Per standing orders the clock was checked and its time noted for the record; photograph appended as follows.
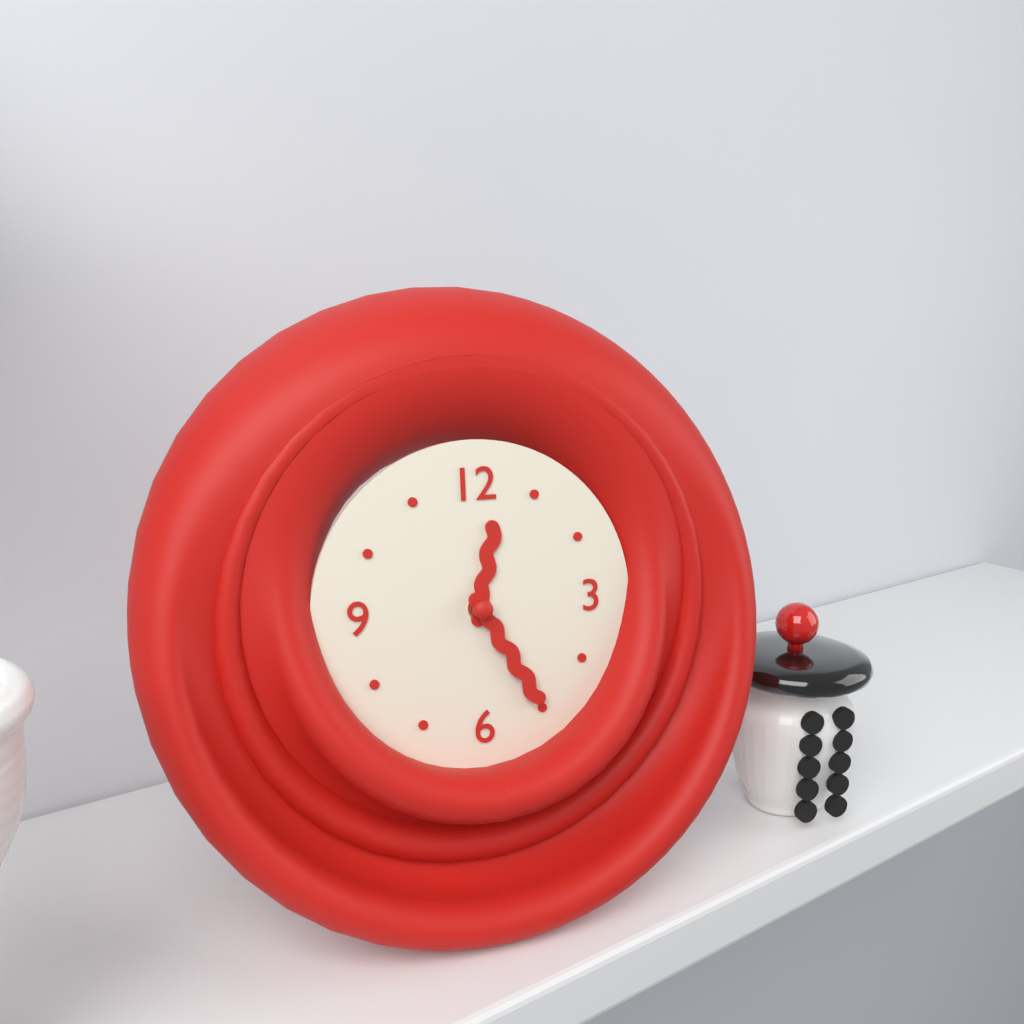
12:25
